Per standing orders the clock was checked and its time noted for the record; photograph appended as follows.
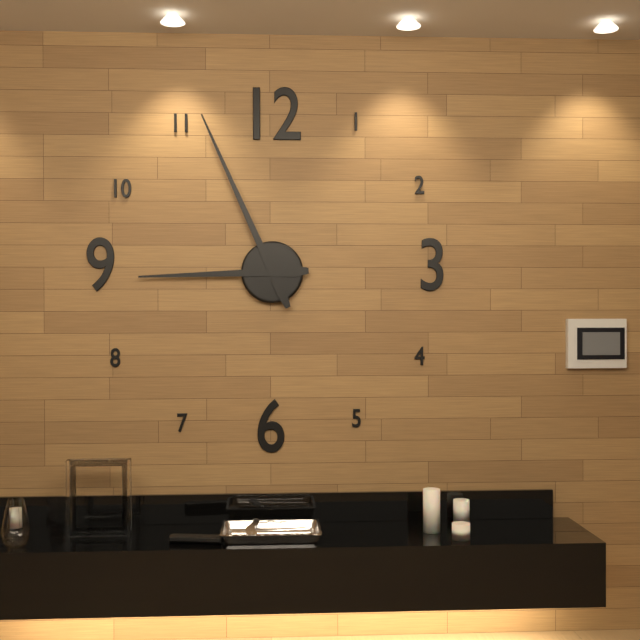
8:56
